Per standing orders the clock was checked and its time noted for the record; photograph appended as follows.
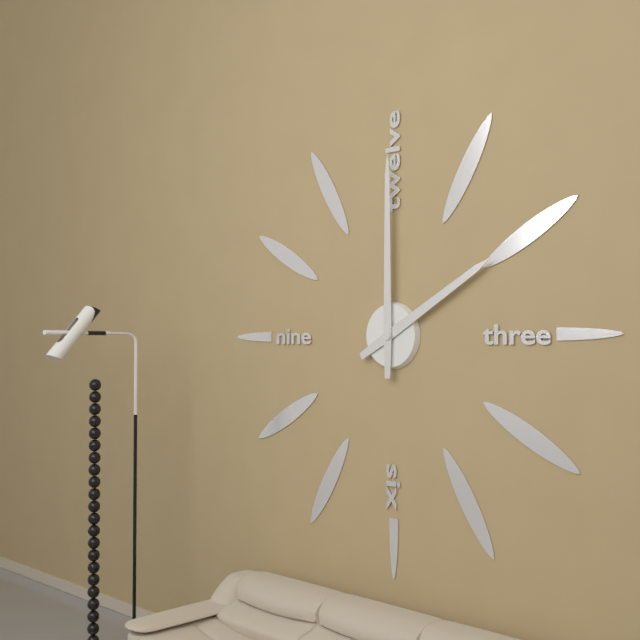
2:00
